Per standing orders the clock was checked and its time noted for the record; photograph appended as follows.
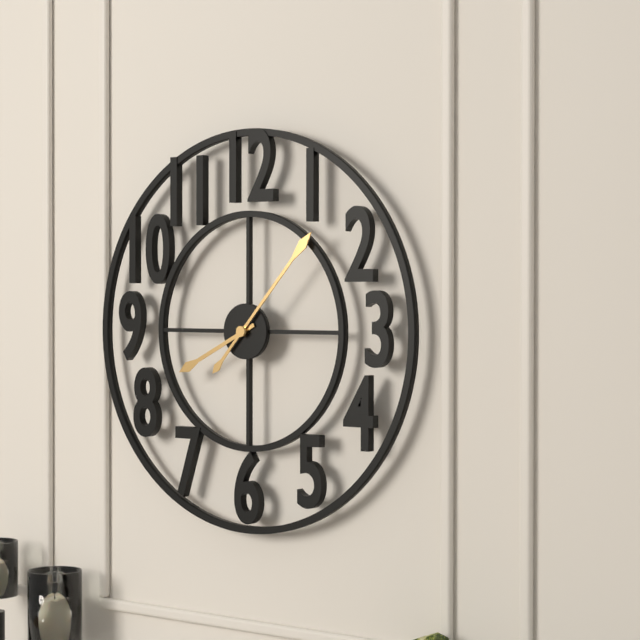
8:07
